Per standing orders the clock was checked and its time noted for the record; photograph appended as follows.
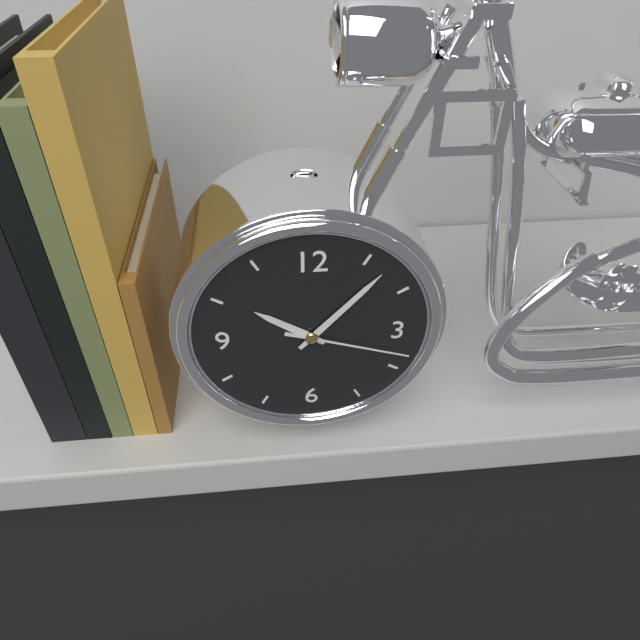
10:07:18
